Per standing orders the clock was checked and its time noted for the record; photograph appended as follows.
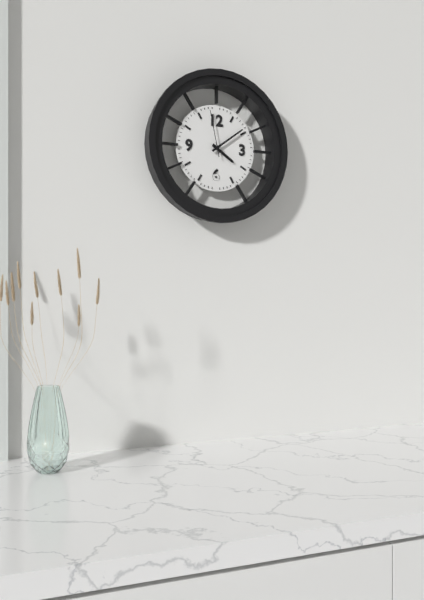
4:09
